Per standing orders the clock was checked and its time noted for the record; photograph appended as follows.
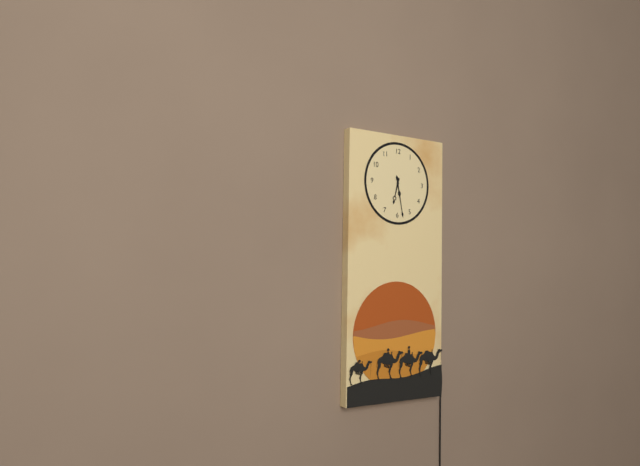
6:28
